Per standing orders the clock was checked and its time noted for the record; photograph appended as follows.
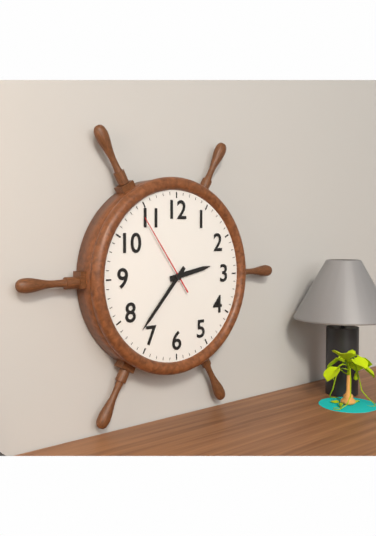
2:37:54
